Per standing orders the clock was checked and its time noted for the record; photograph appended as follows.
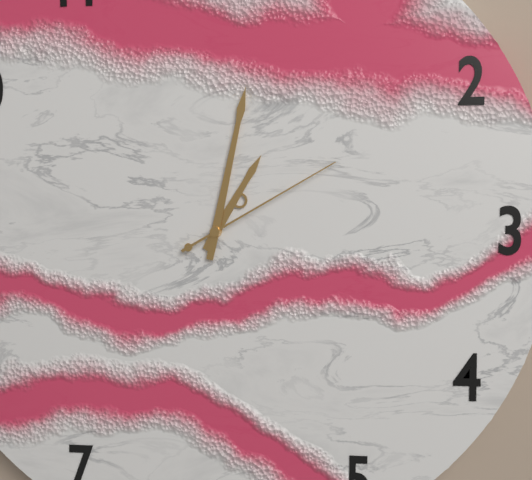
1:02:10
